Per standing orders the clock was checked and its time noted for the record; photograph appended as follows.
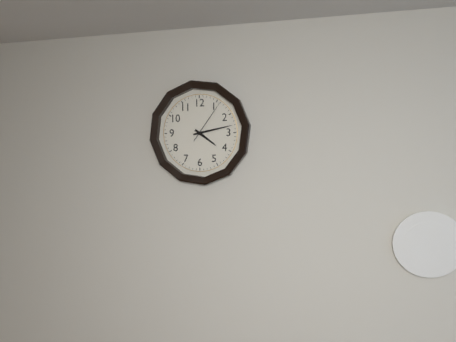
4:13
